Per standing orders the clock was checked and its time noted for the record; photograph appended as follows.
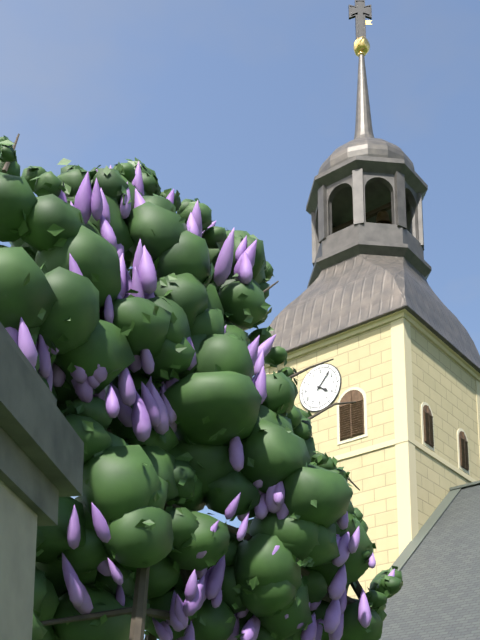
4:07
